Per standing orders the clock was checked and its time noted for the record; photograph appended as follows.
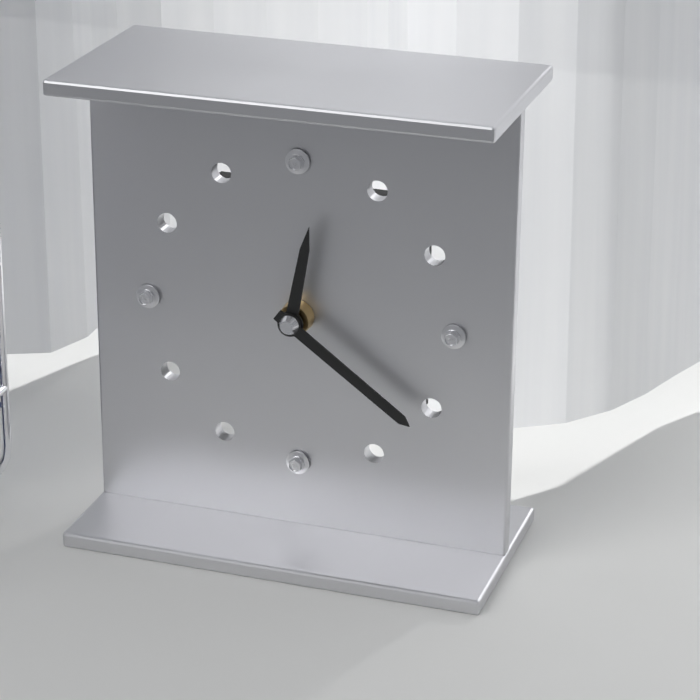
12:21
